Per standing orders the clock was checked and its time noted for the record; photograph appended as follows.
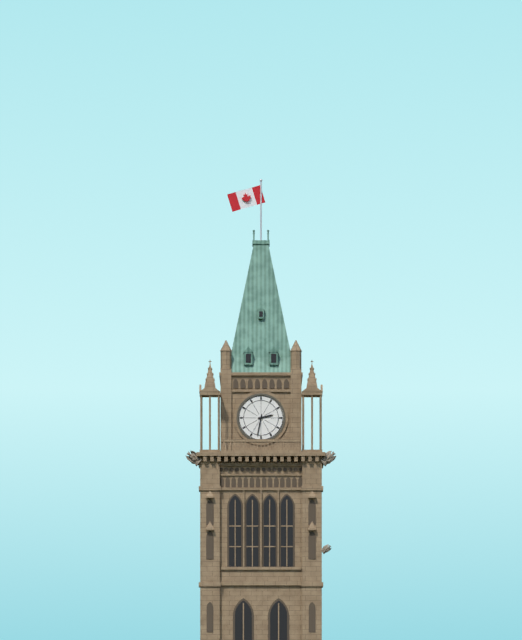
2:32
